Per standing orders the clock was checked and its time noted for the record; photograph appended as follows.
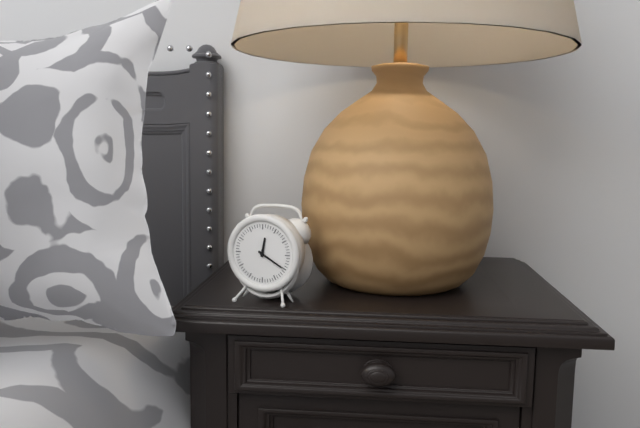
12:20
